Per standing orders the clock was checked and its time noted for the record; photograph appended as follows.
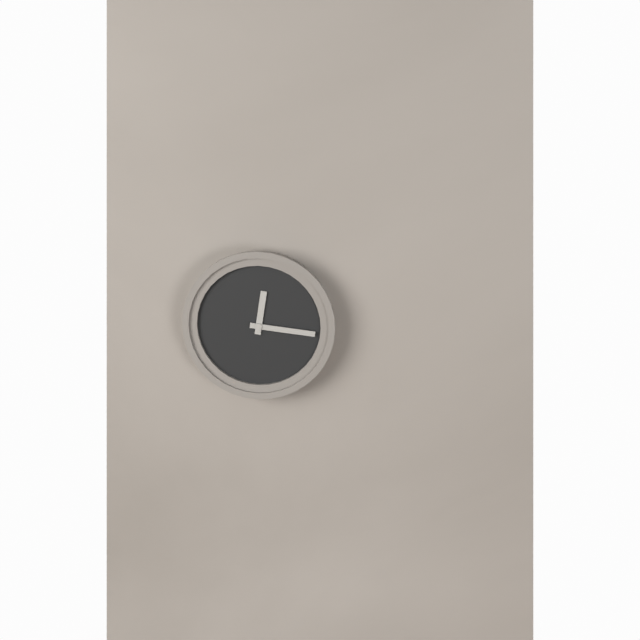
12:16
